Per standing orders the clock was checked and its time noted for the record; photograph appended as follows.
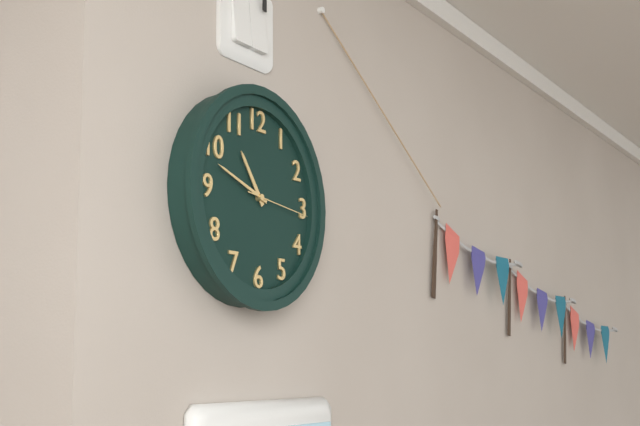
10:48:16
